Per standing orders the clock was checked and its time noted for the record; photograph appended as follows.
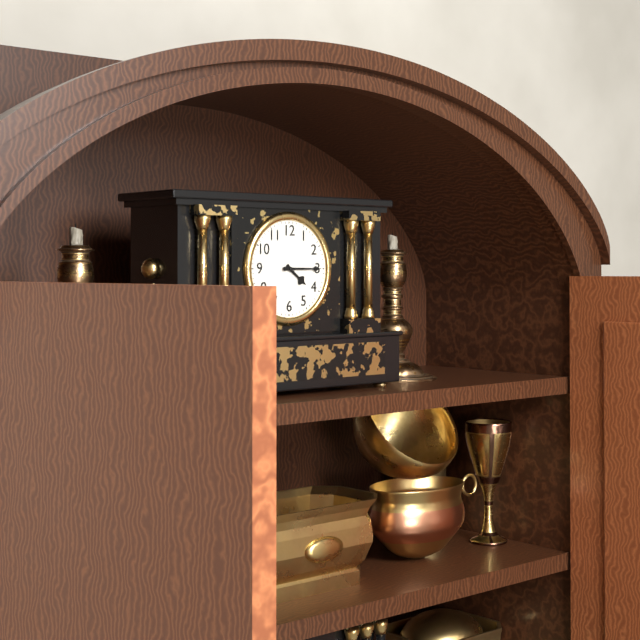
4:15
